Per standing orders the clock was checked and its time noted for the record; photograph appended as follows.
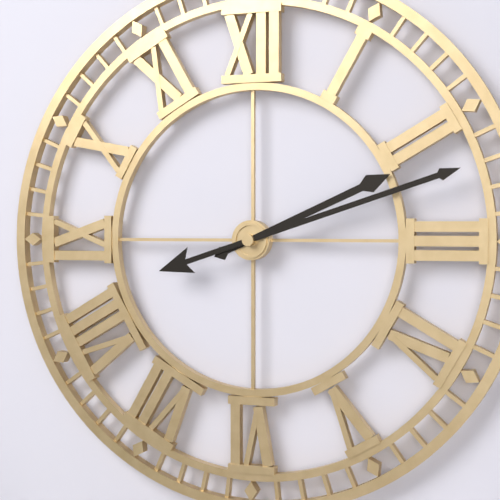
2:12
